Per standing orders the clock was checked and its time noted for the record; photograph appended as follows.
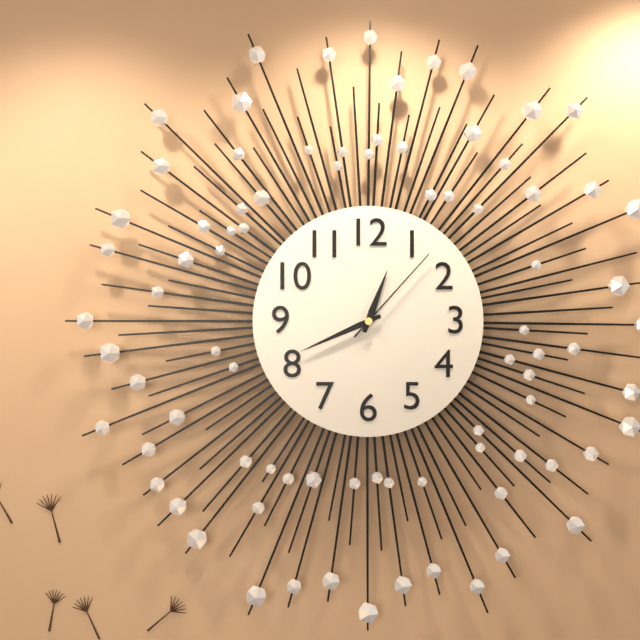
12:41:07
